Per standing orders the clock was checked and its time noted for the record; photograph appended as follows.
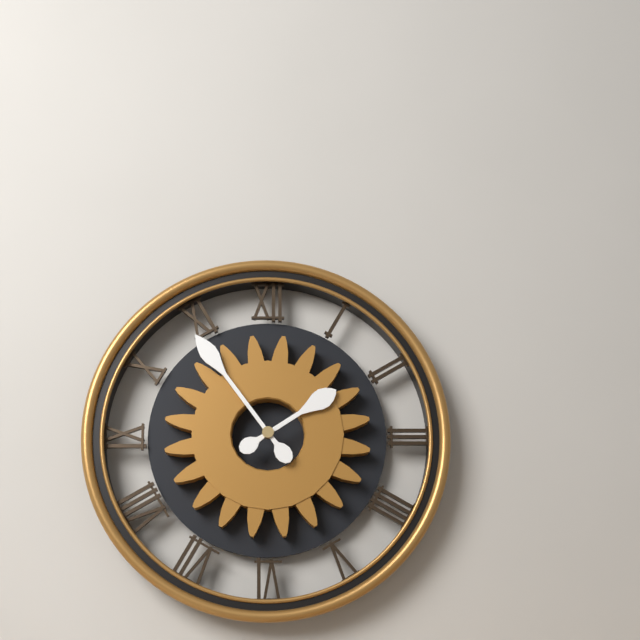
1:54
